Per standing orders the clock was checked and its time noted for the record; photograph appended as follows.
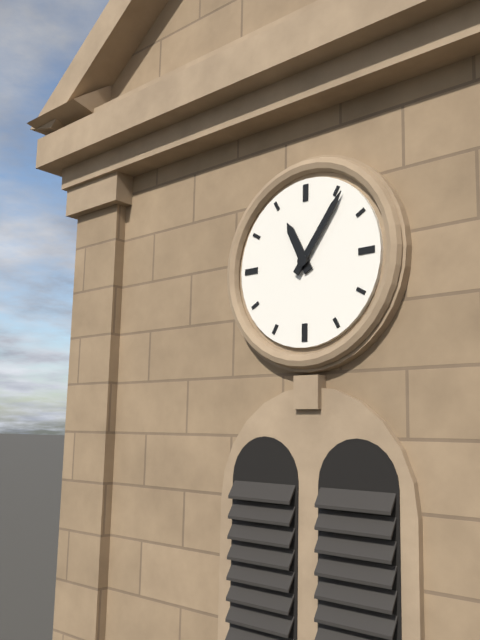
11:06
